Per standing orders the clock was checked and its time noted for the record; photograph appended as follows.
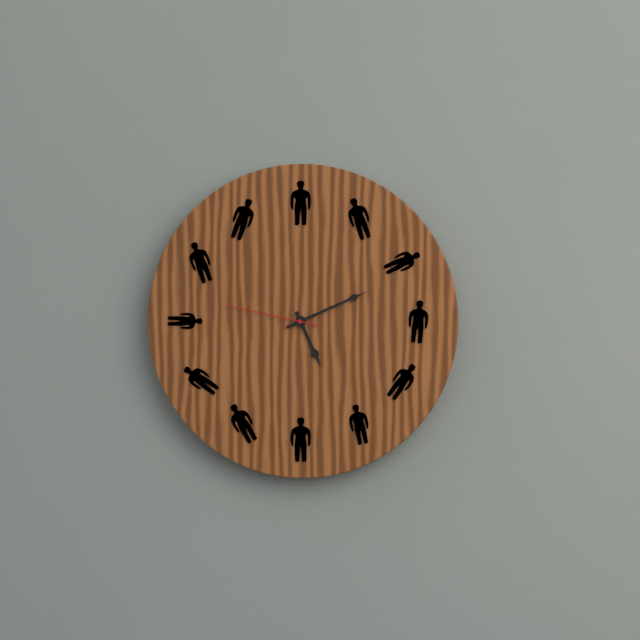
5:11:47
